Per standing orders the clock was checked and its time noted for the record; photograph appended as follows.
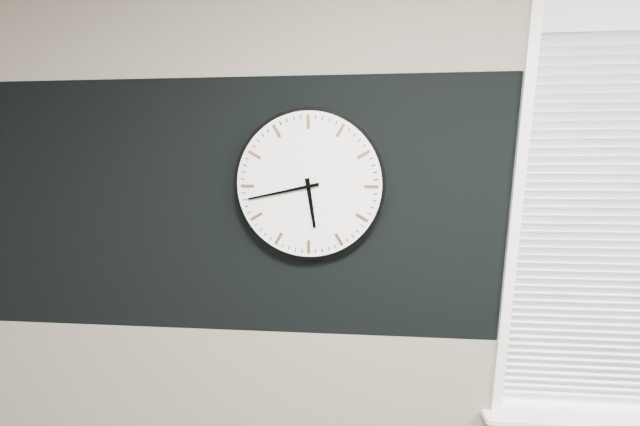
5:43
